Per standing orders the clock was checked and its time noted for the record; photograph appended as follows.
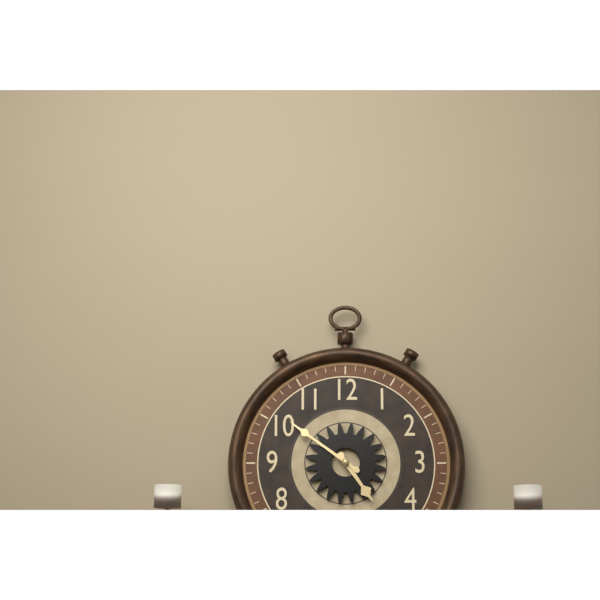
4:51
